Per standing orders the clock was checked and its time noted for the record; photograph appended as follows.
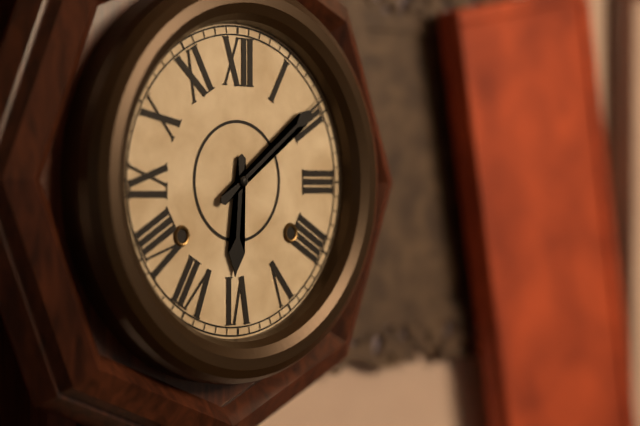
6:09
